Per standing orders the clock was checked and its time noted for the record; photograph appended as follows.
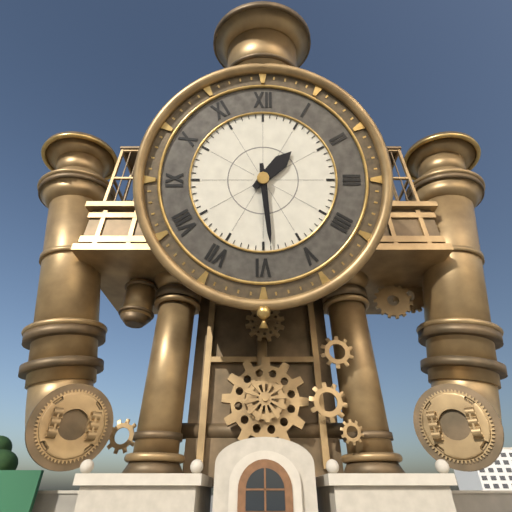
1:29
